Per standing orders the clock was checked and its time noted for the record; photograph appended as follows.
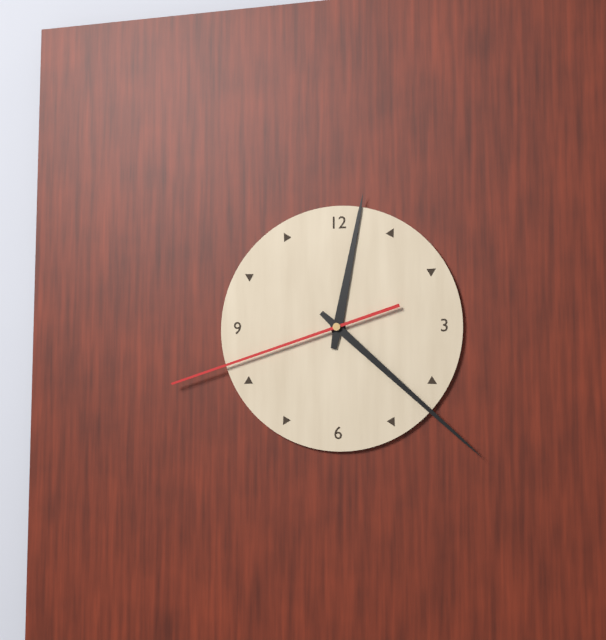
12:22:42
